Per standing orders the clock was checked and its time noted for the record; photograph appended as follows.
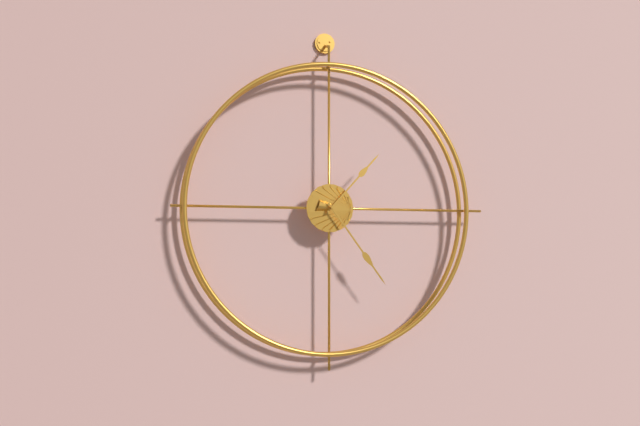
1:24
